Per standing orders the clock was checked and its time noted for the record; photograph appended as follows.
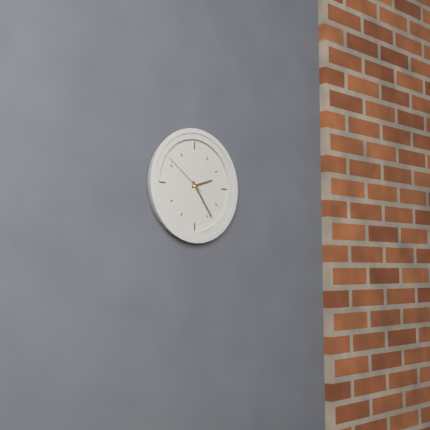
2:24
